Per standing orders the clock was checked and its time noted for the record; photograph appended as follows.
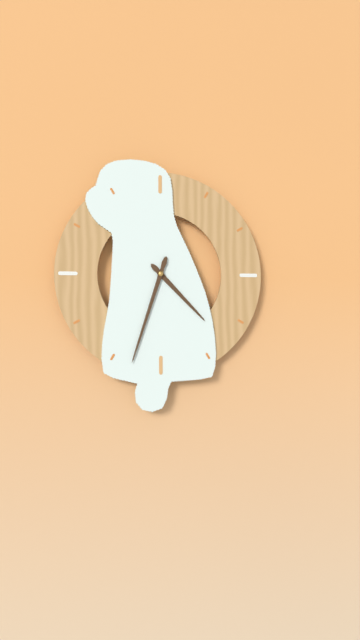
4:33
